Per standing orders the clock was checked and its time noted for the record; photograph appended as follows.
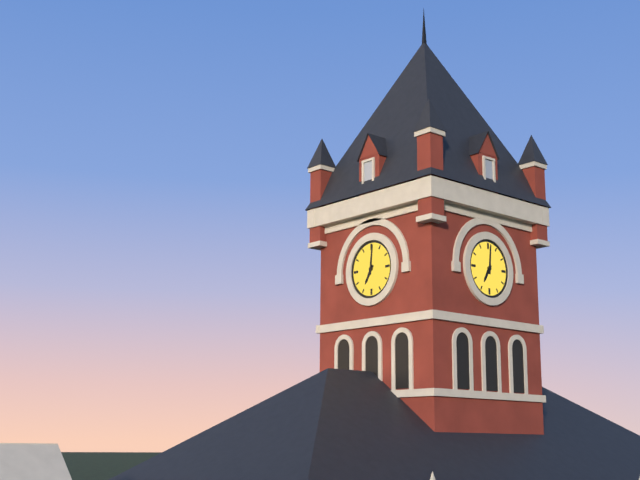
7:01
